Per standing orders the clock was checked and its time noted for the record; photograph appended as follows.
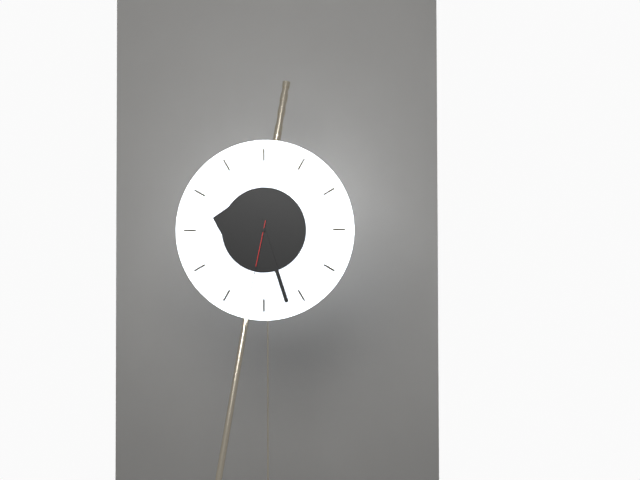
9:27:32
